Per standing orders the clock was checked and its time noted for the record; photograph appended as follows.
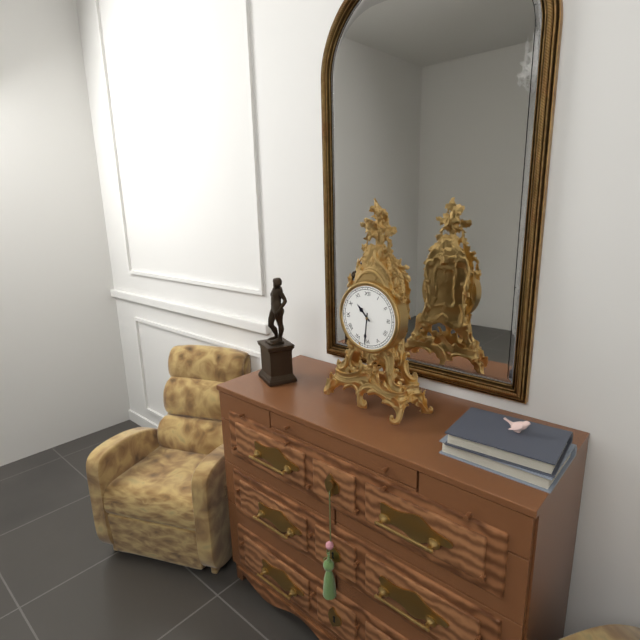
10:31
